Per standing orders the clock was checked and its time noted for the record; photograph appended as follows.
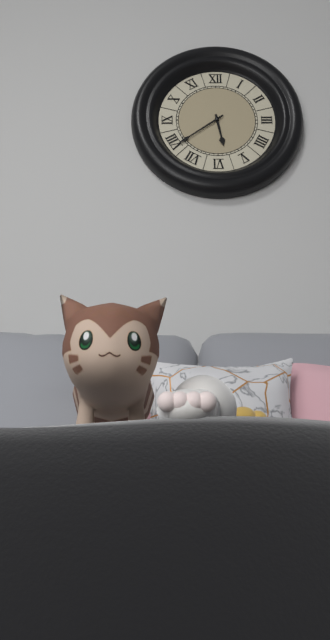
5:39
